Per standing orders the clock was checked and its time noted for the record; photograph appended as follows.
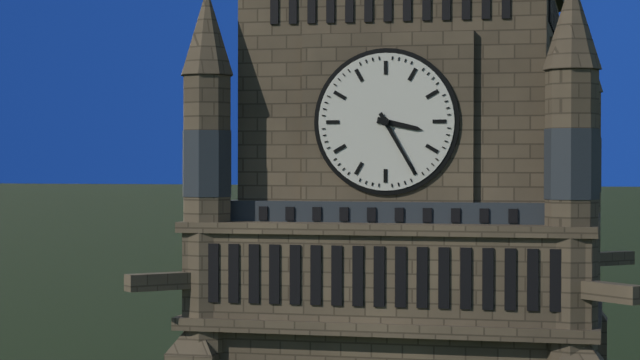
3:25
